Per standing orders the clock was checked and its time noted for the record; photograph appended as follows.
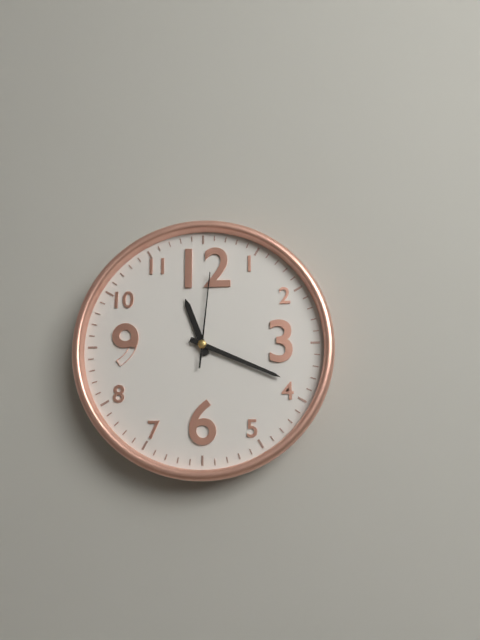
11:19:01
